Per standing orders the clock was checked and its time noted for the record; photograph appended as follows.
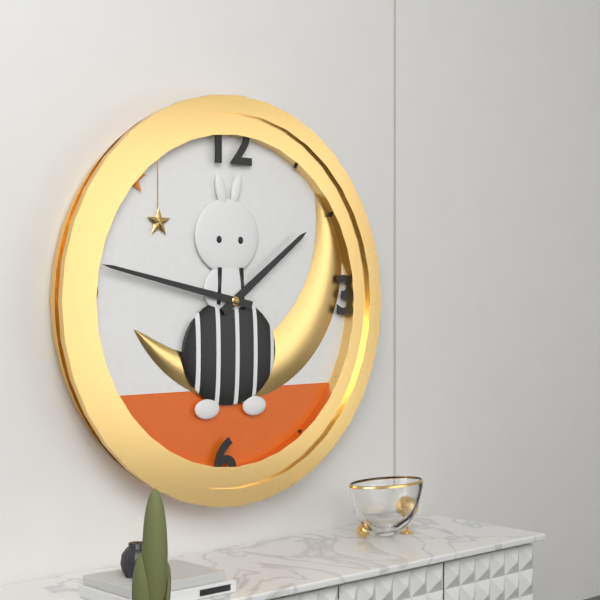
1:47
